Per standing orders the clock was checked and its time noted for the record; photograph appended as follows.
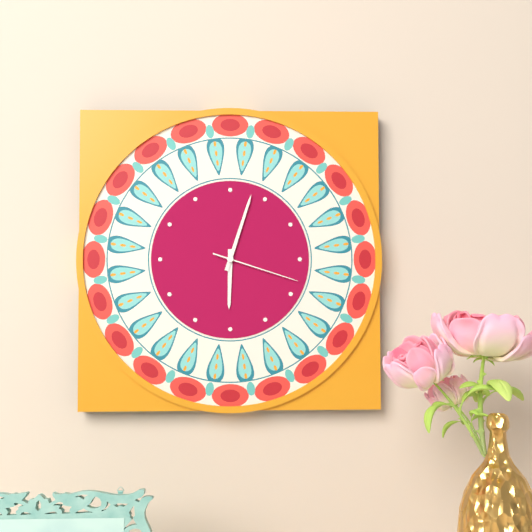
6:03:18
